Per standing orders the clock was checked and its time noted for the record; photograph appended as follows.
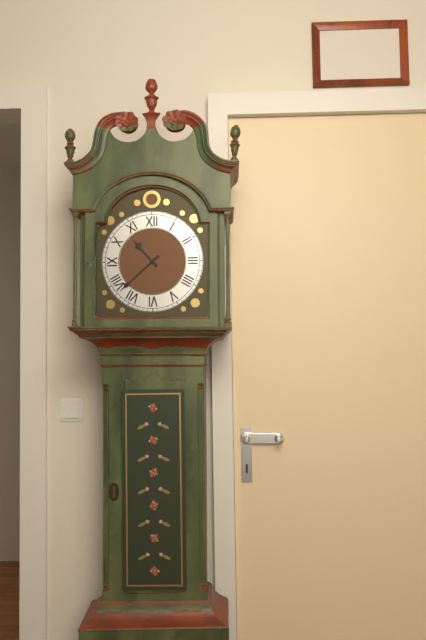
10:38
